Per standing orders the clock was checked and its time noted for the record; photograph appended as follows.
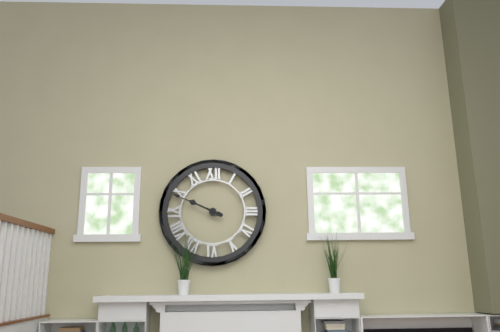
9:49
